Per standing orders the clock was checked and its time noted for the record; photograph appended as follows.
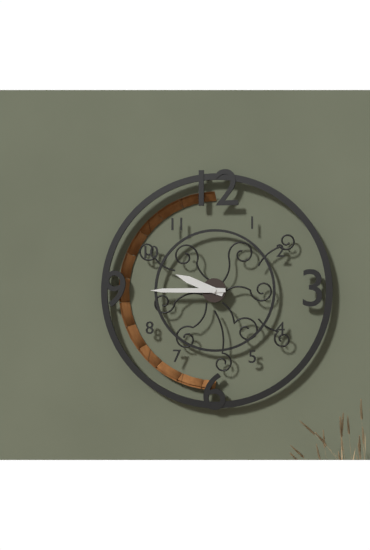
9:45
